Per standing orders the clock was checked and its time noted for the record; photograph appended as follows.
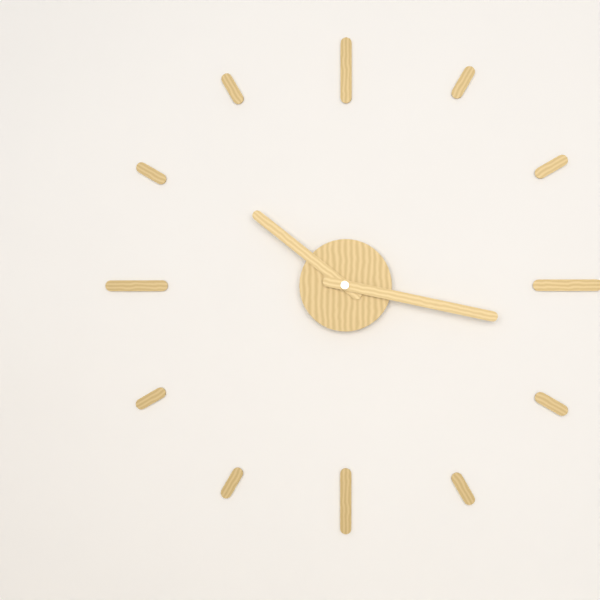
10:17
